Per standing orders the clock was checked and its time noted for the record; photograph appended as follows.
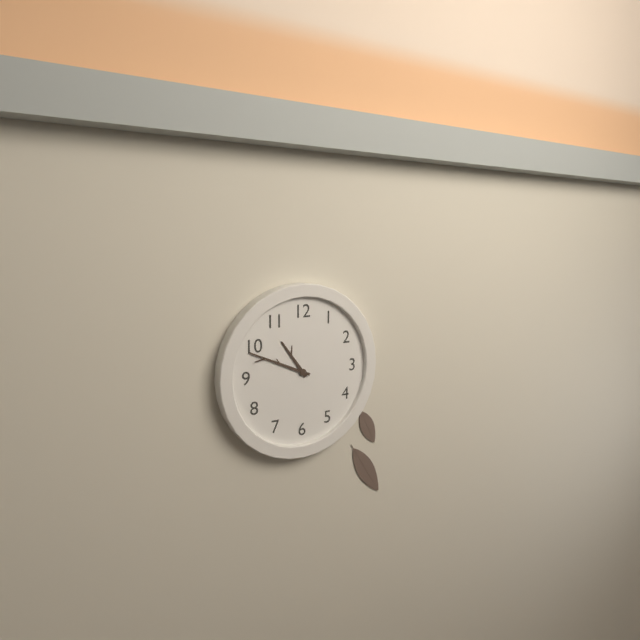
10:49
